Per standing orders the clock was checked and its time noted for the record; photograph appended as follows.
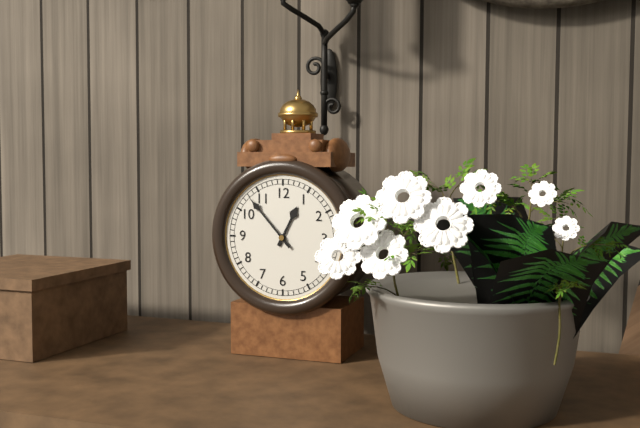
12:53
